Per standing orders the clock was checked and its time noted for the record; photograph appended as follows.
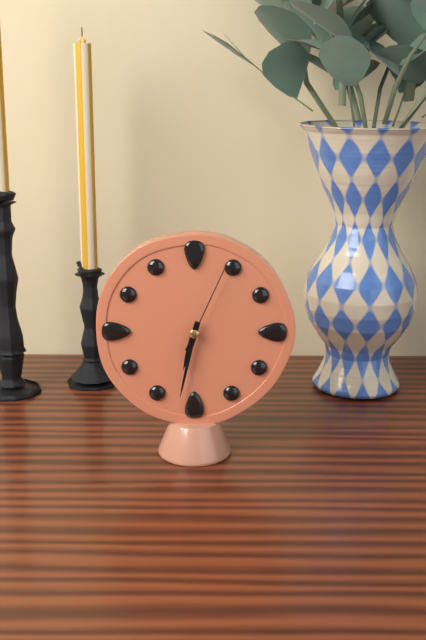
6:32:04
